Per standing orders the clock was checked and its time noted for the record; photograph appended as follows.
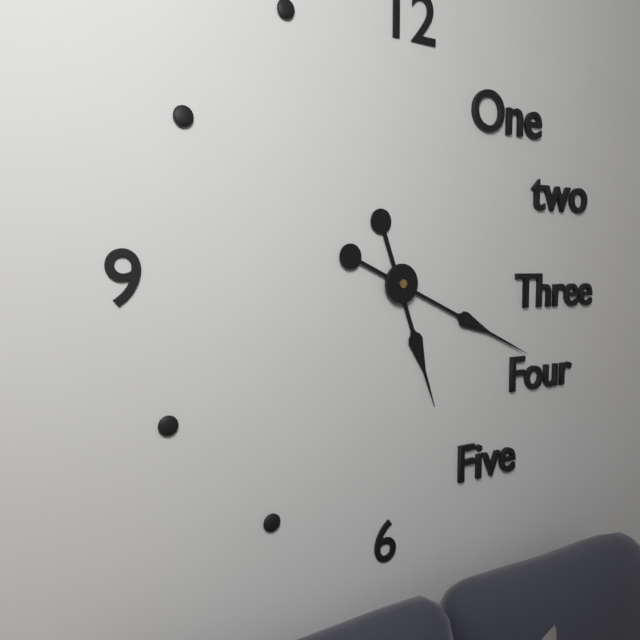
5:19
